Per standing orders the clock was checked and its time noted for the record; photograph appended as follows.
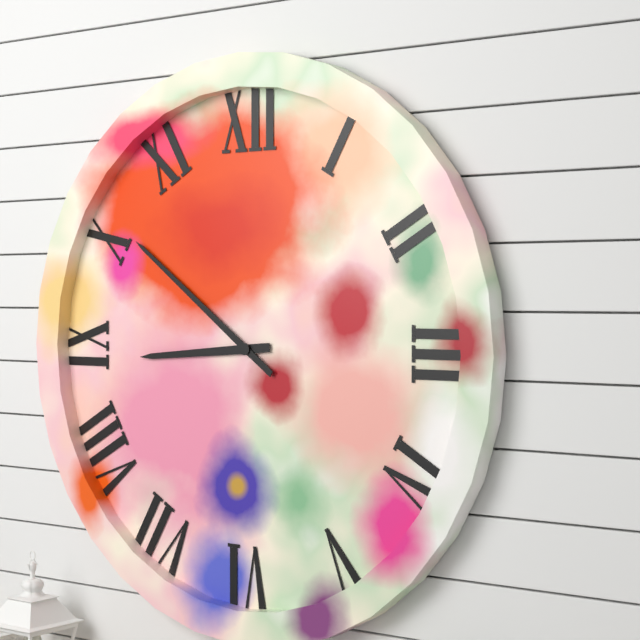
8:51
